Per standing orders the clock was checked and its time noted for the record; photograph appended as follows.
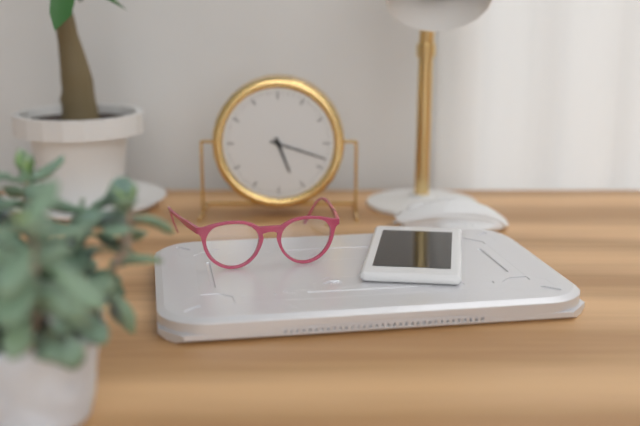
5:18
